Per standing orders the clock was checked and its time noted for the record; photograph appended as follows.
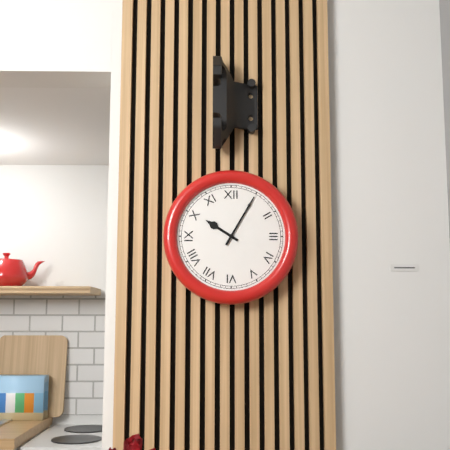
10:05
